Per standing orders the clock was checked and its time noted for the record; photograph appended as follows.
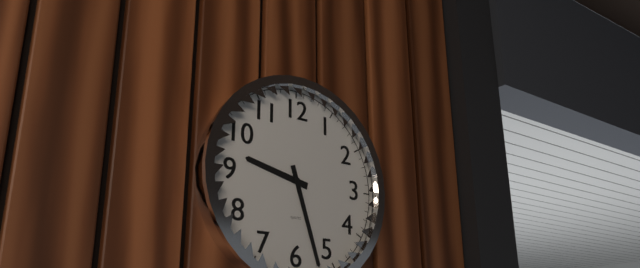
9:27
